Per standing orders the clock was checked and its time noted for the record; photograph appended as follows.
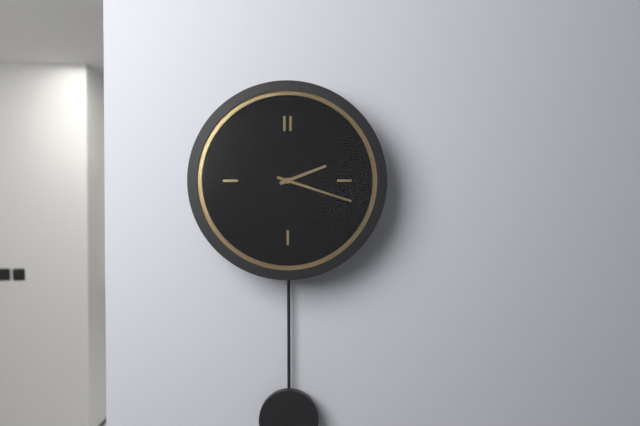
2:18
